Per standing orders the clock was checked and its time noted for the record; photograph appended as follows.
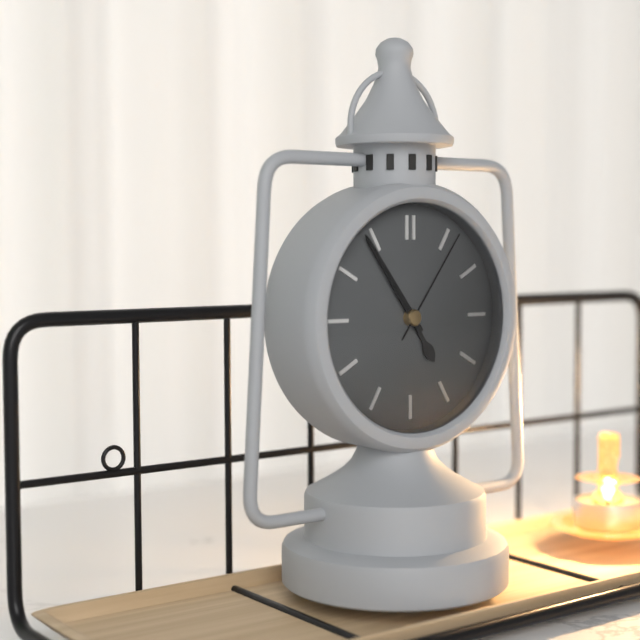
4:54:06
